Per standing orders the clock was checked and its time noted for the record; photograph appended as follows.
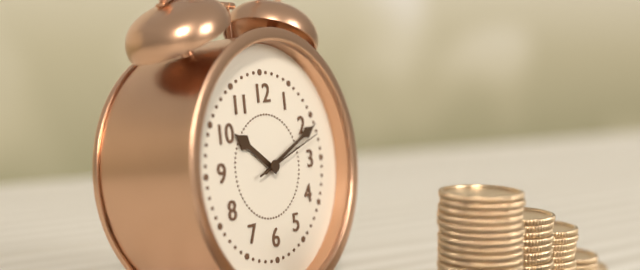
10:11:12
